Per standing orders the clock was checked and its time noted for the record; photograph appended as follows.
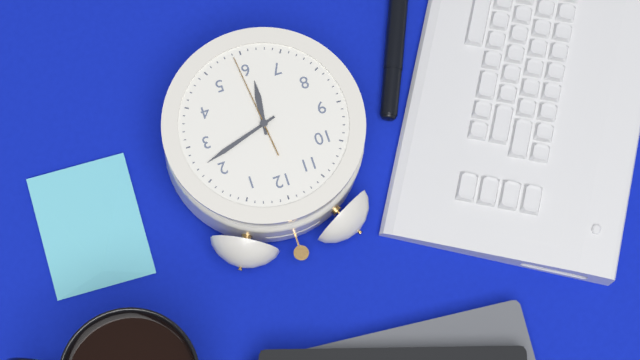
6:12:29
